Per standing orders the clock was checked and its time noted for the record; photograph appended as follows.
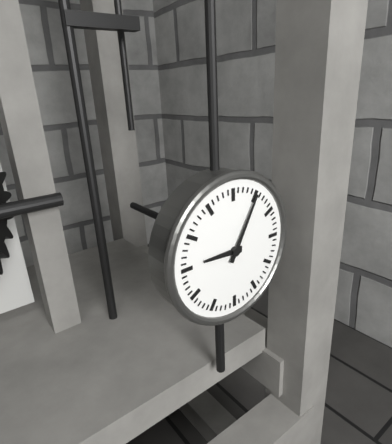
9:05
